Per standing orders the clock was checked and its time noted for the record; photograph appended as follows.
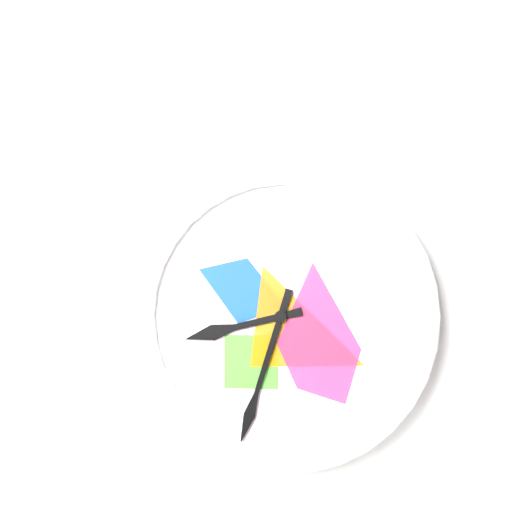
8:33
